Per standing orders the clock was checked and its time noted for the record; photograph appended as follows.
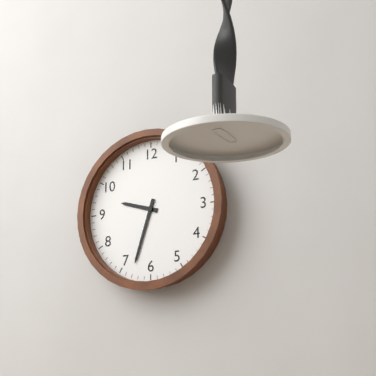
9:33
